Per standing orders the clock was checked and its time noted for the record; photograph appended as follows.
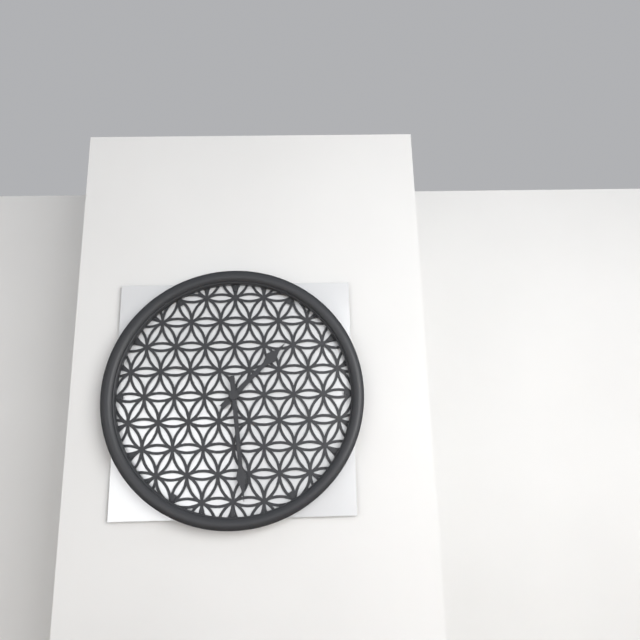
1:29
